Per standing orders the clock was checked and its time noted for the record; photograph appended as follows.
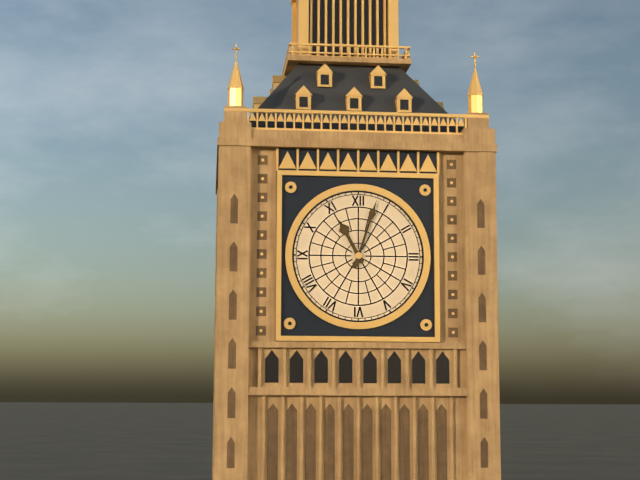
11:03
